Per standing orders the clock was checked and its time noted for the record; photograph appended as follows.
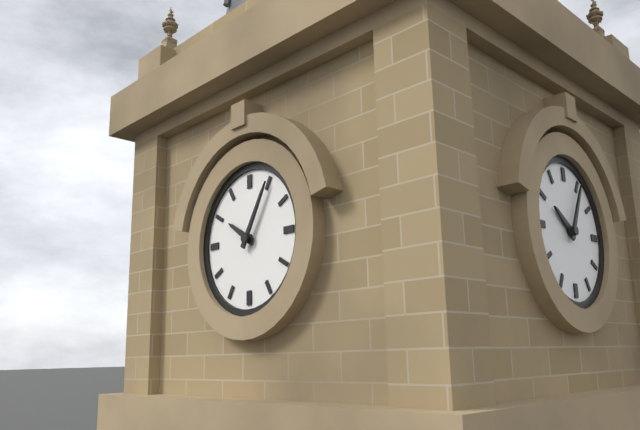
10:05
